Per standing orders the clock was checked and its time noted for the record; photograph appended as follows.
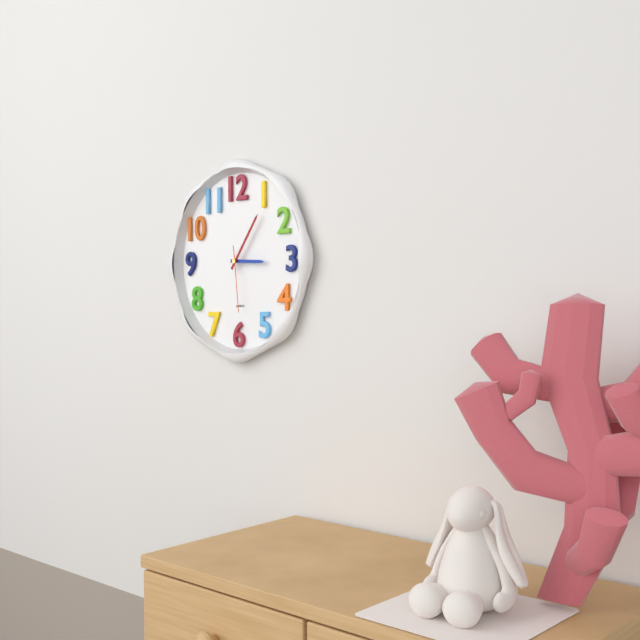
3:06:29
